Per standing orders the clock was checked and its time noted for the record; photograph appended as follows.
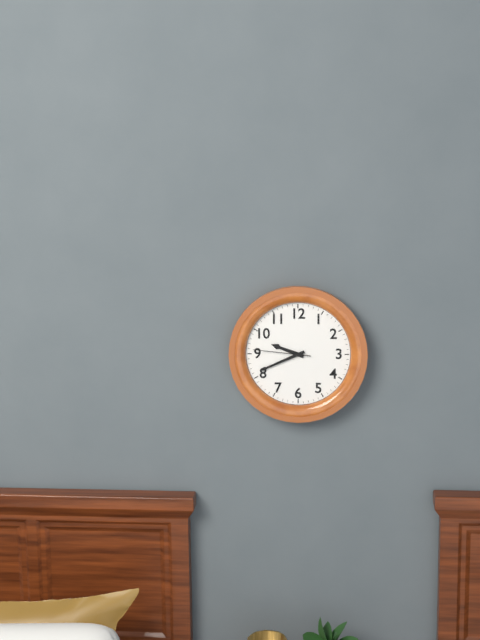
9:41:46
